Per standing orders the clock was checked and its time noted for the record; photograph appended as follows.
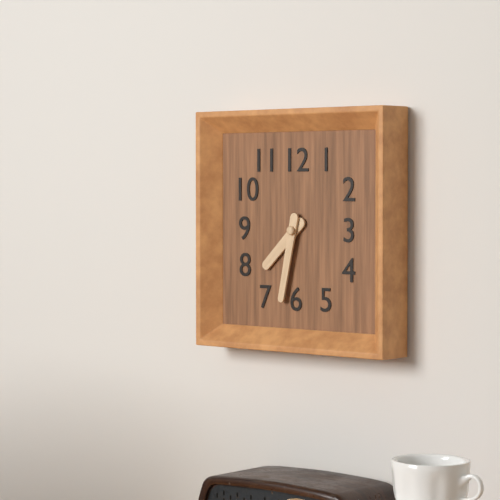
7:32
